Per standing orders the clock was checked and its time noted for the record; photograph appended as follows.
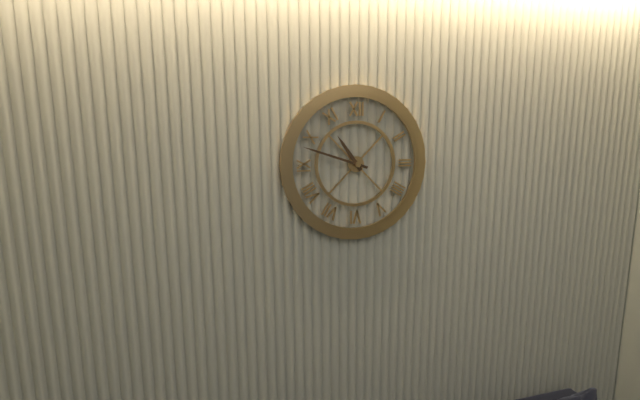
10:48
